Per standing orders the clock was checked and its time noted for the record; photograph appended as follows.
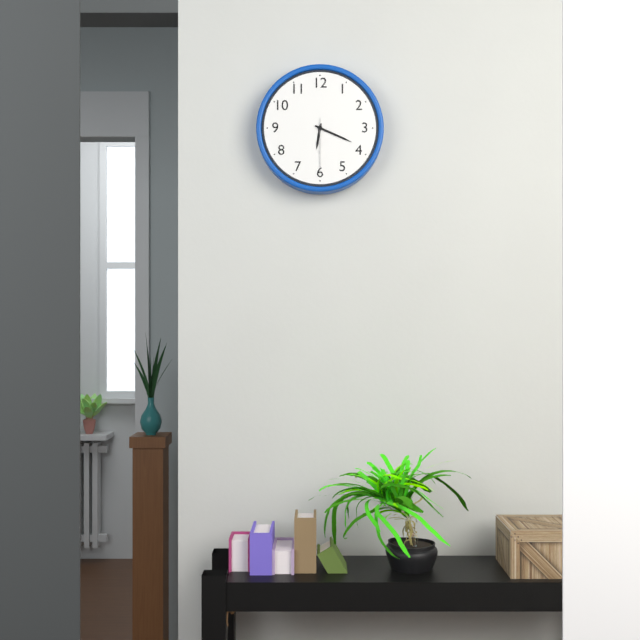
6:19:30
